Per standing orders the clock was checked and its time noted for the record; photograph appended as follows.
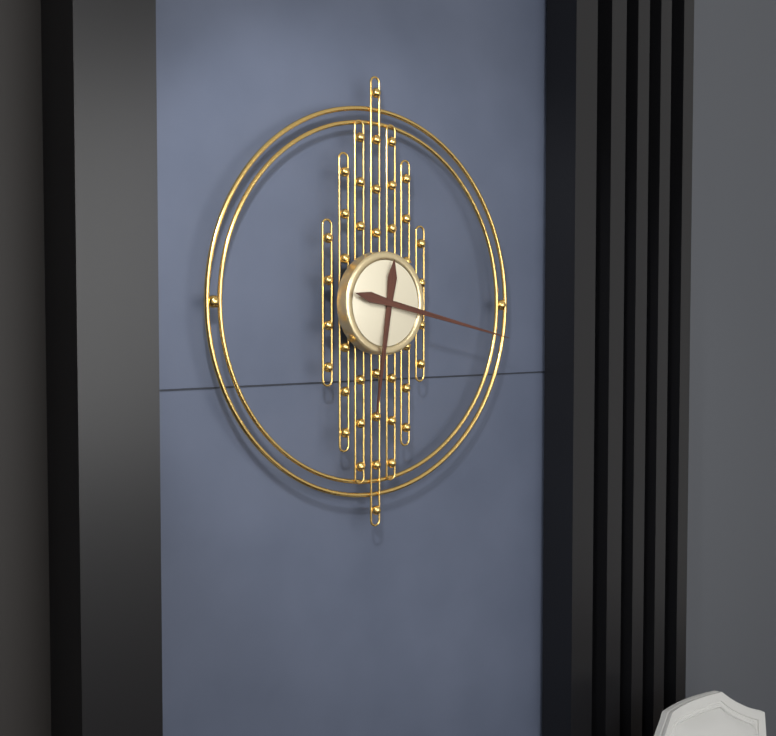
6:17
